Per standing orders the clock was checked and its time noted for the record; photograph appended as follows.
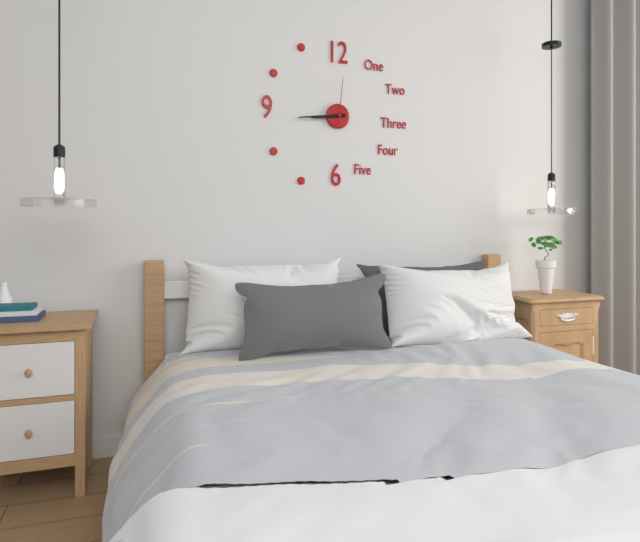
8:44
